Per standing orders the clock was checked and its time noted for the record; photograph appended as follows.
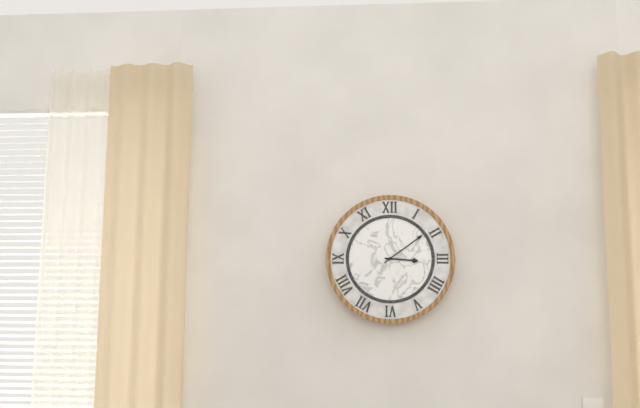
3:09
